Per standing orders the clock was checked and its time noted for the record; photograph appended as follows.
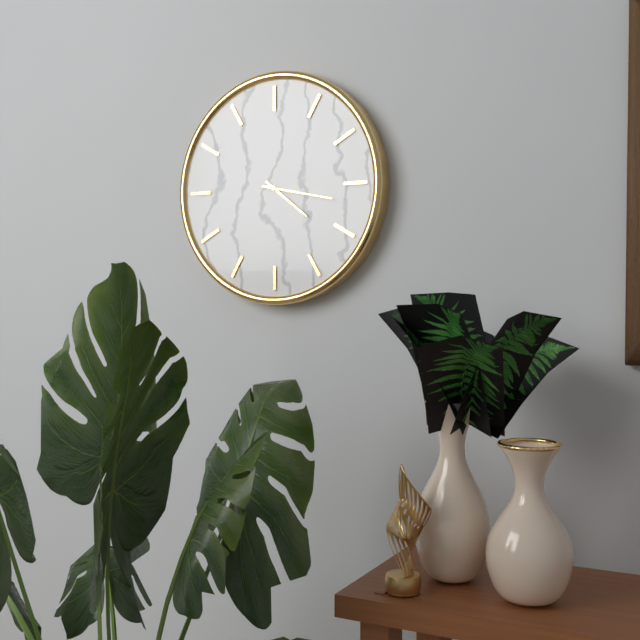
4:17
